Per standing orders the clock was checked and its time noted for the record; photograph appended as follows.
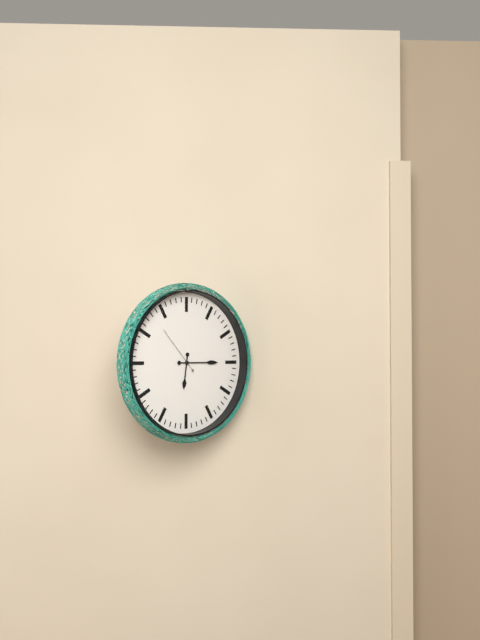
6:15
